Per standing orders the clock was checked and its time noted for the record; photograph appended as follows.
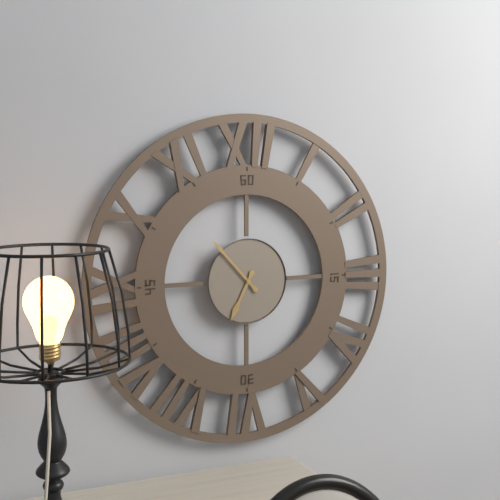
6:53
